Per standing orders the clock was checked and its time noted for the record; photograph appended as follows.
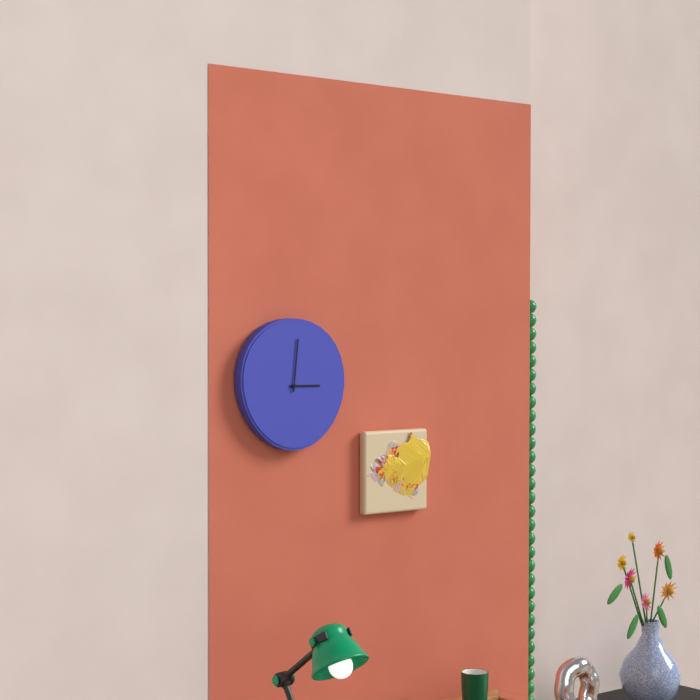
3:01
